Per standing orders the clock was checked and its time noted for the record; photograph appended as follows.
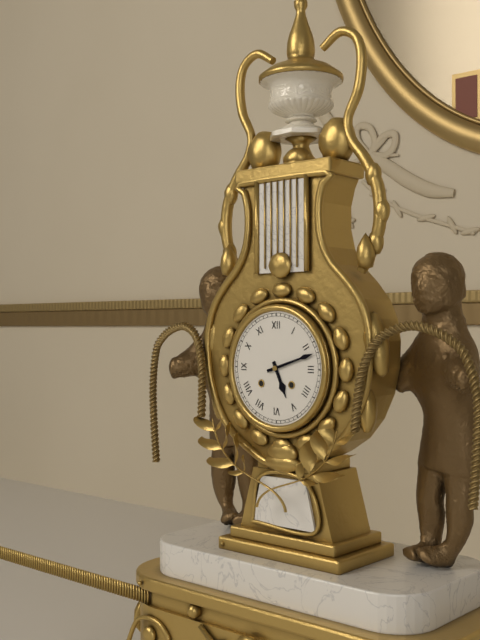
5:12
